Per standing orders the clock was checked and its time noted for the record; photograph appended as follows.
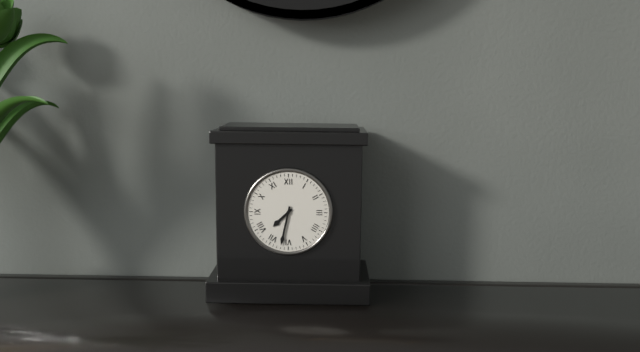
7:32
